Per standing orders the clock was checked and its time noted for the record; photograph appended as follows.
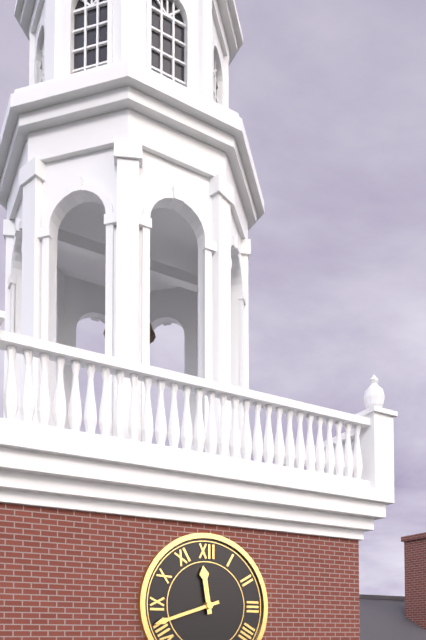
11:42
